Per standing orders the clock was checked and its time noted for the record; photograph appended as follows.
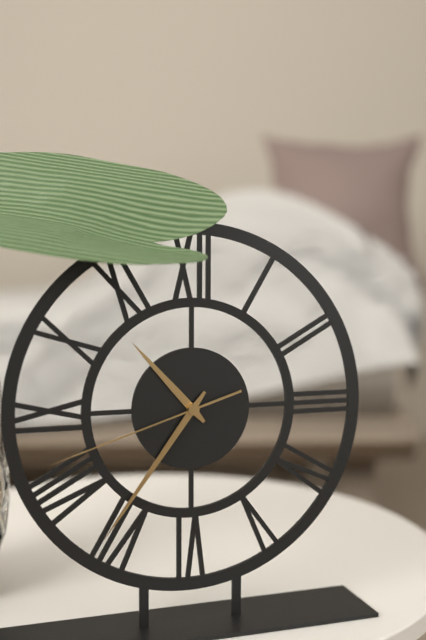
10:36:42
